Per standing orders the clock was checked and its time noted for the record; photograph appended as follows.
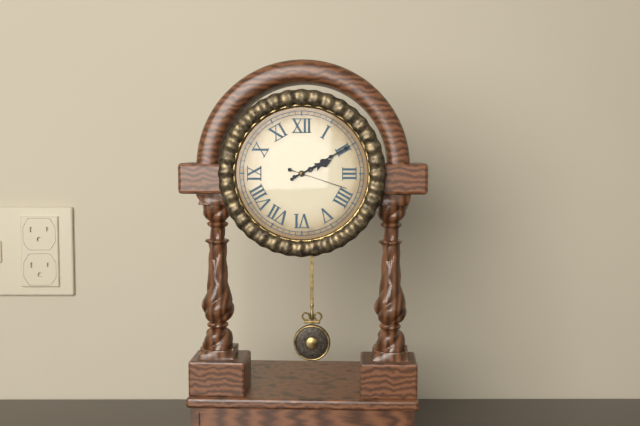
2:10:18
